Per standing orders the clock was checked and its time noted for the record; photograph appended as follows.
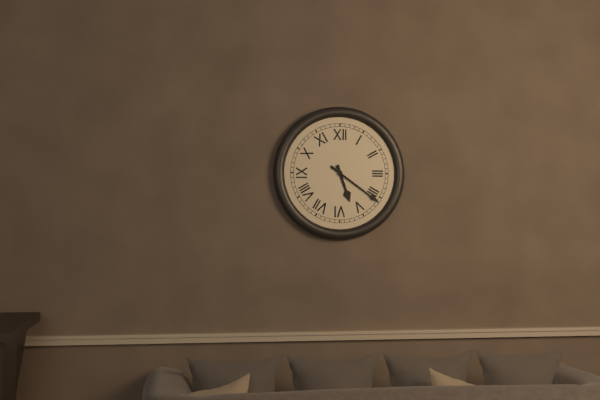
5:21
